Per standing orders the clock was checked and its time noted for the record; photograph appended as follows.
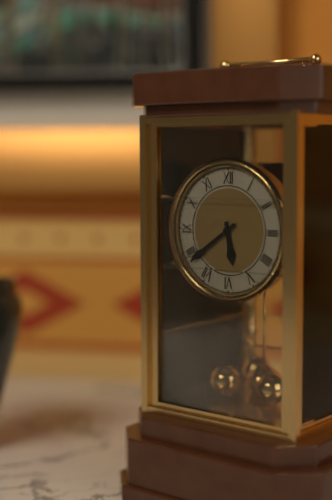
5:39
